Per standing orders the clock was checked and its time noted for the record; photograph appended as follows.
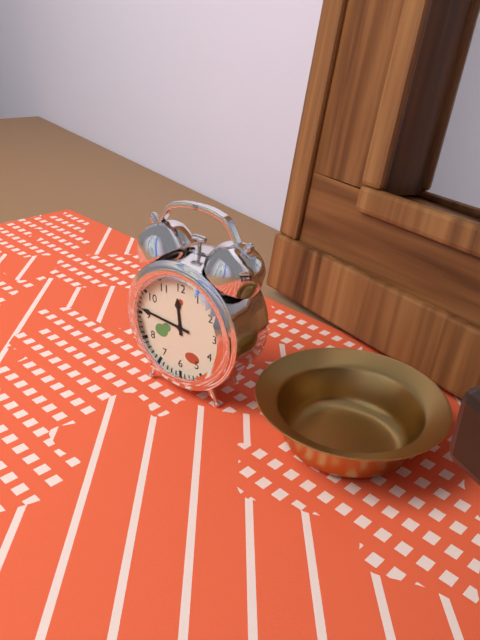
11:46
